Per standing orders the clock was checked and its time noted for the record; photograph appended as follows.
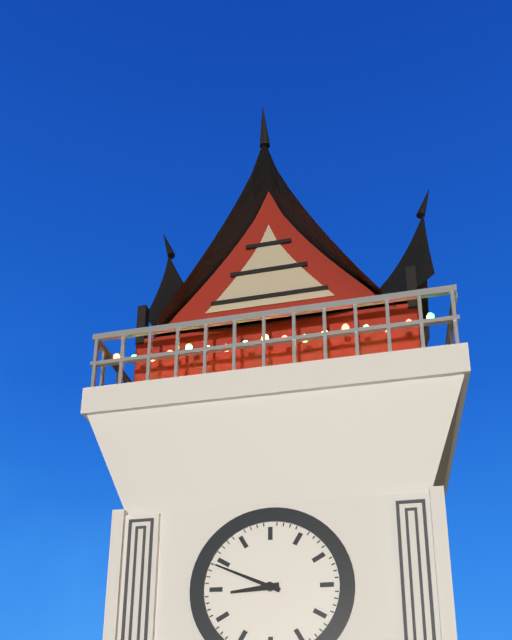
8:49
